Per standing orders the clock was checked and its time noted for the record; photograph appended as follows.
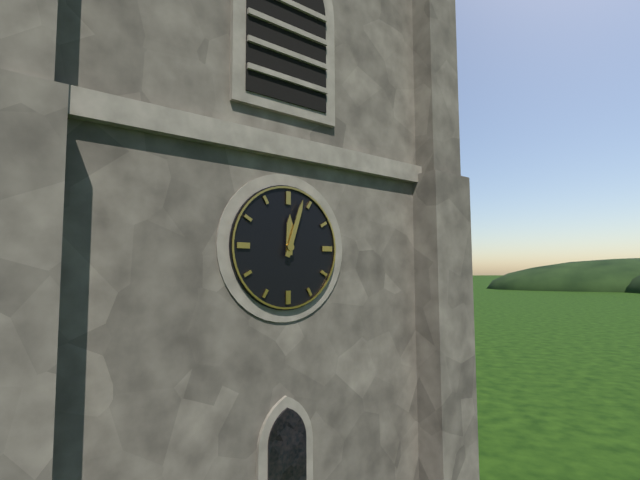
12:03
